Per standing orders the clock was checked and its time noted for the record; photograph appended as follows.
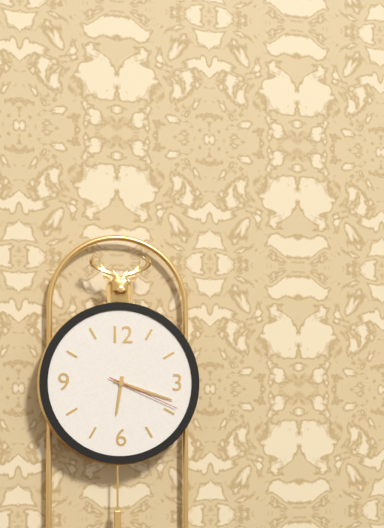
6:18:19
